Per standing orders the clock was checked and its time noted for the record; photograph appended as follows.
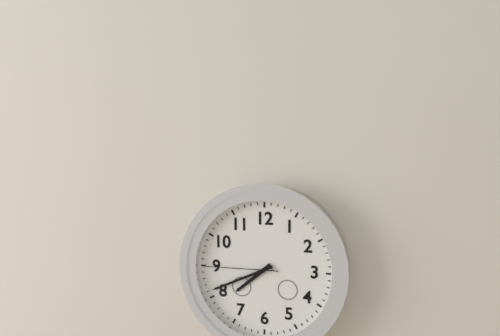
7:41:45
